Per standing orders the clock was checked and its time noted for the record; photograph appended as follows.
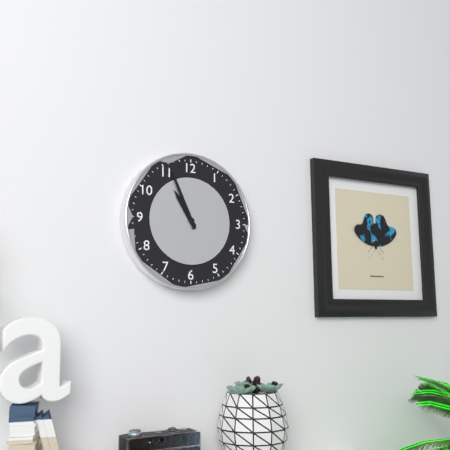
10:56
